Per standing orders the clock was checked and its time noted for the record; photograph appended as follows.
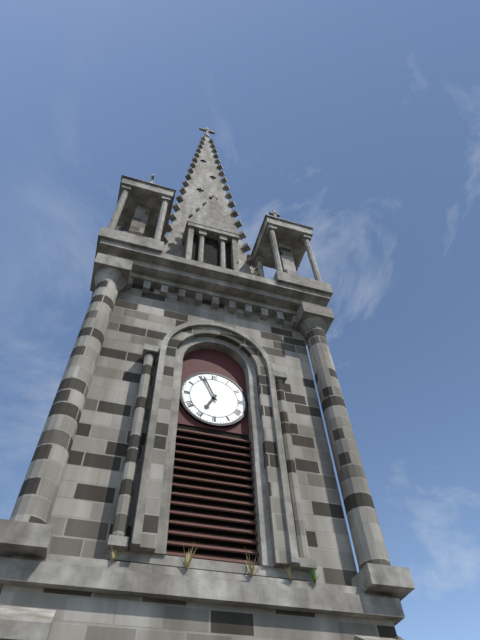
6:56
